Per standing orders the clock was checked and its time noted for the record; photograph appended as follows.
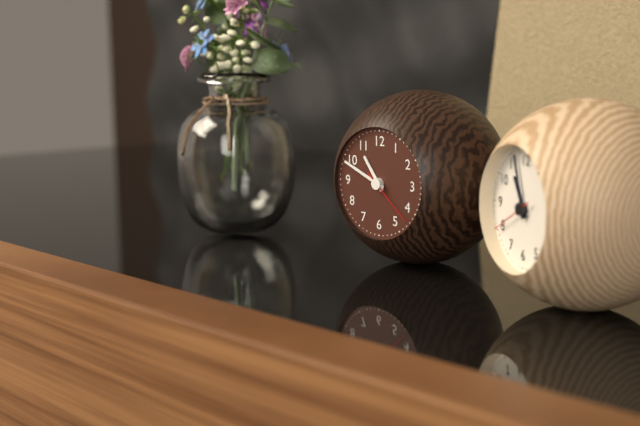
10:49:22
